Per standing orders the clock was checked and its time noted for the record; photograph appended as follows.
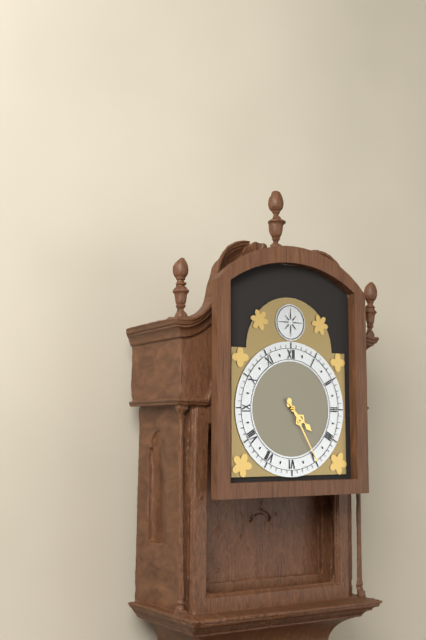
4:25
